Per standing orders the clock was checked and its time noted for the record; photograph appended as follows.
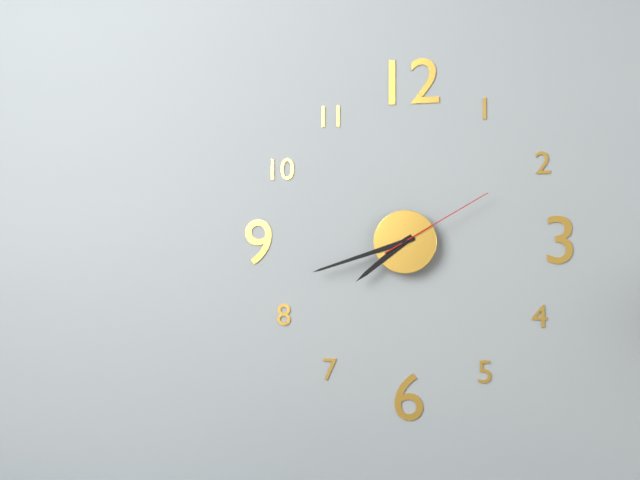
7:42:10
